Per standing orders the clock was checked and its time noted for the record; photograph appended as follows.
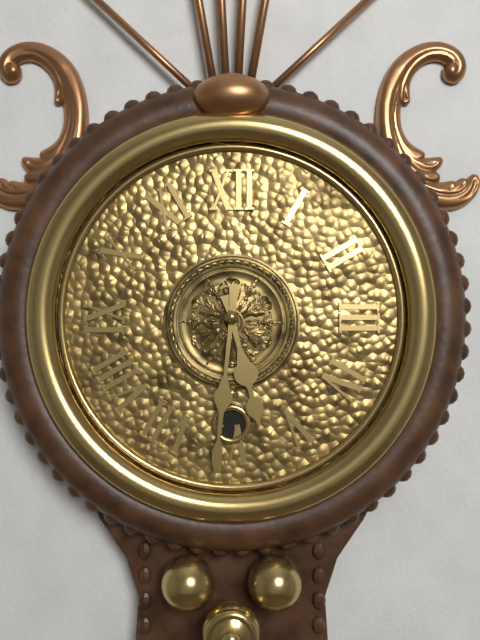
5:31
